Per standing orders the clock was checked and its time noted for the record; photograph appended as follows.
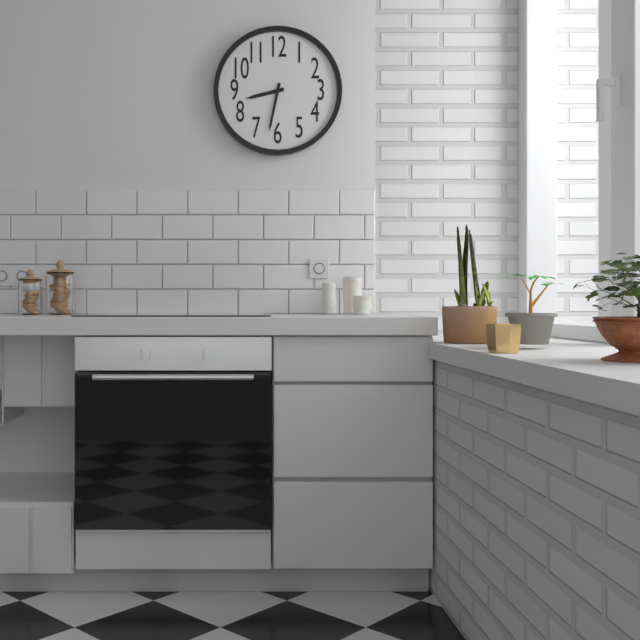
8:32
